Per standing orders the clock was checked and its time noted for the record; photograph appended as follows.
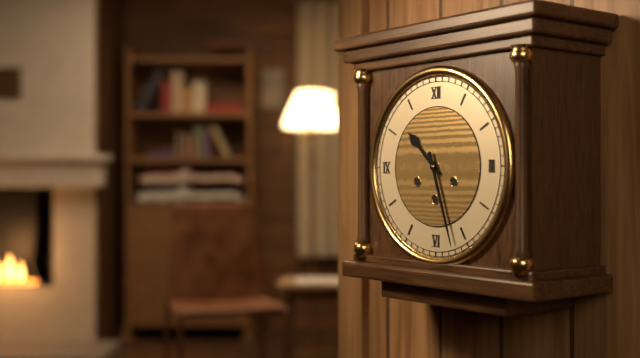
10:27
